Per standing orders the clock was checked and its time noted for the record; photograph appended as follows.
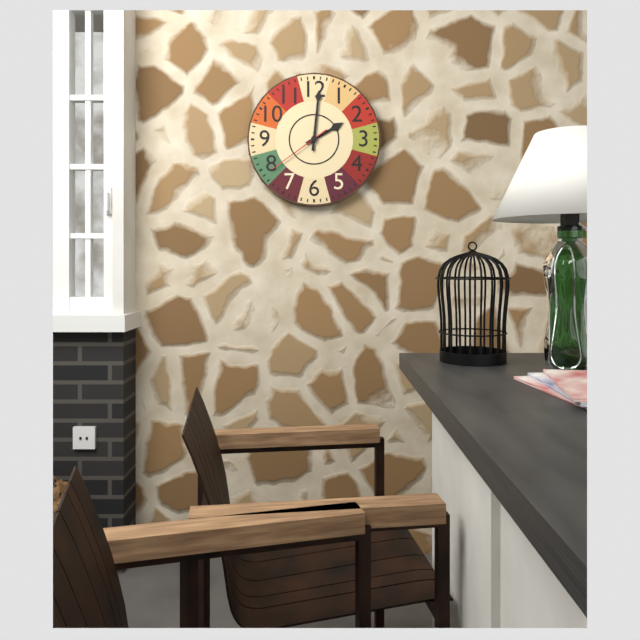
2:01:39
